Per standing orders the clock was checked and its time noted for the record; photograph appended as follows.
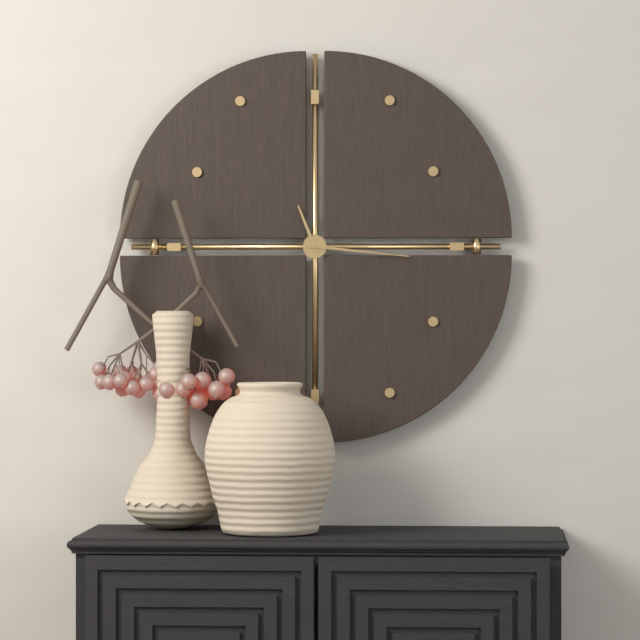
11:16
